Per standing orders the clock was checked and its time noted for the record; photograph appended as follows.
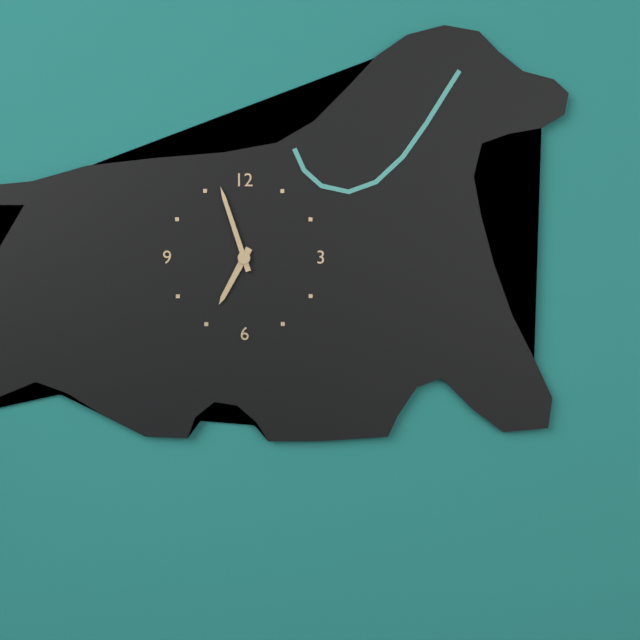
6:57
